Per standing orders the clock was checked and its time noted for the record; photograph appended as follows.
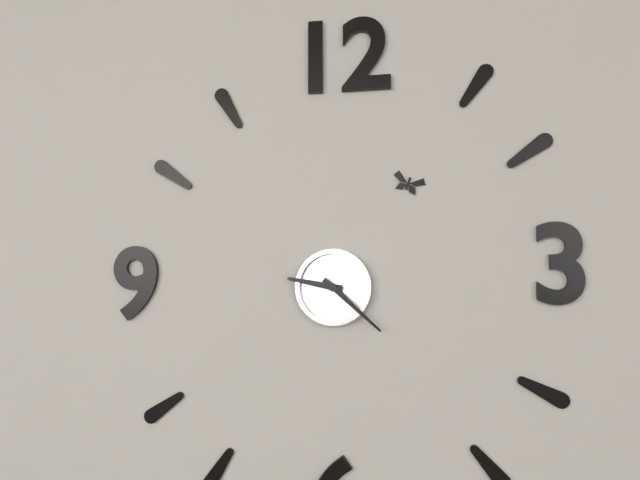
9:22
